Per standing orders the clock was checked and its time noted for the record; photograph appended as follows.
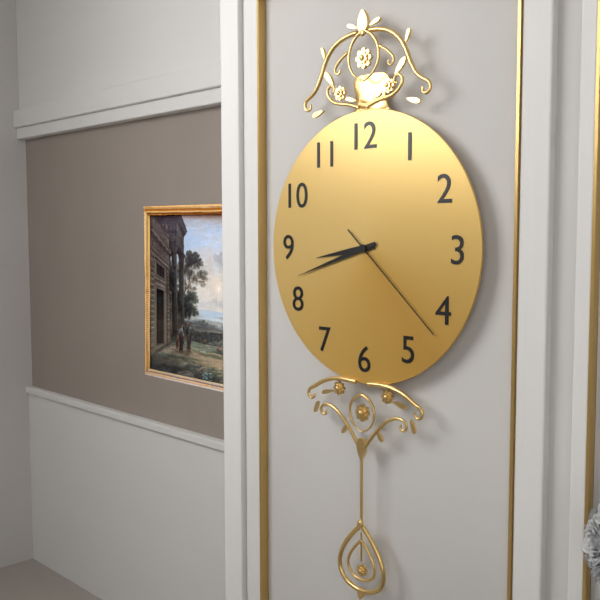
8:42:22
